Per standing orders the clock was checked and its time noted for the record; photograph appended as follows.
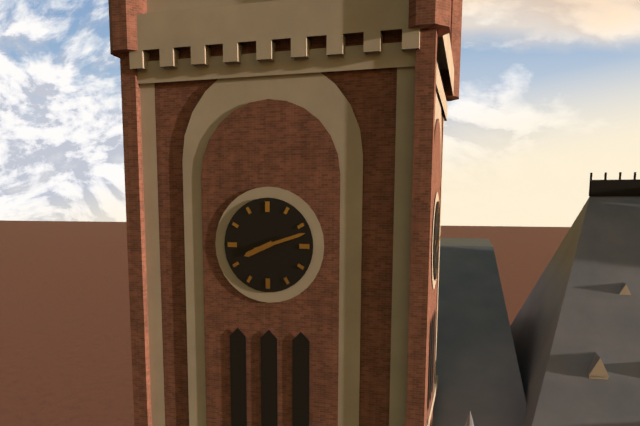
8:12
